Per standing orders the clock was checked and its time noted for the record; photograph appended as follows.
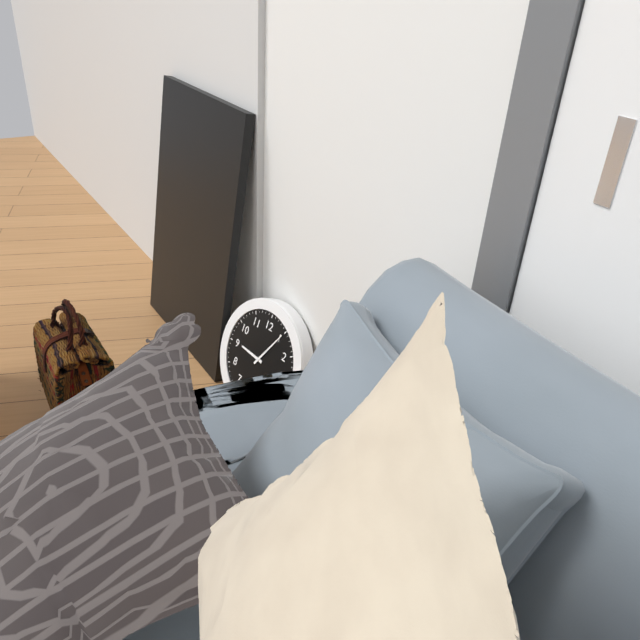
9:05
